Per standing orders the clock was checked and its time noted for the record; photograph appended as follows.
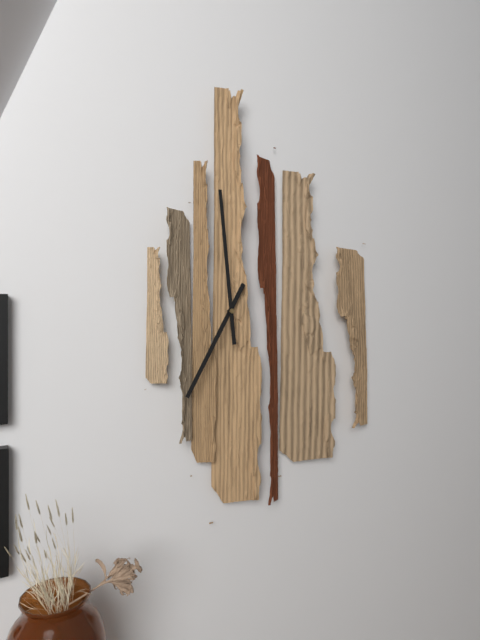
6:59
